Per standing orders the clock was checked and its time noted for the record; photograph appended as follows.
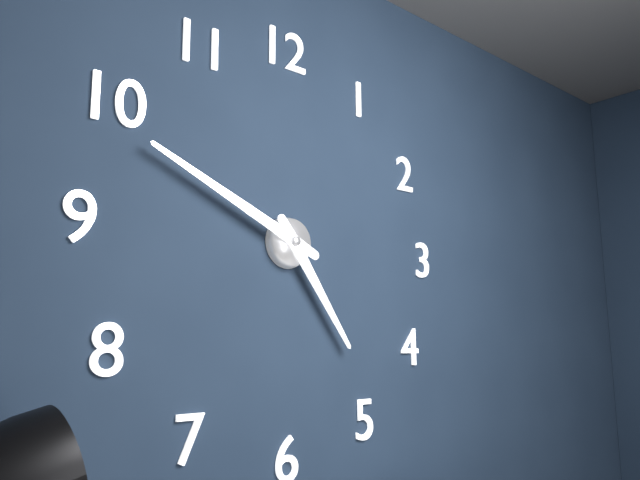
4:49
